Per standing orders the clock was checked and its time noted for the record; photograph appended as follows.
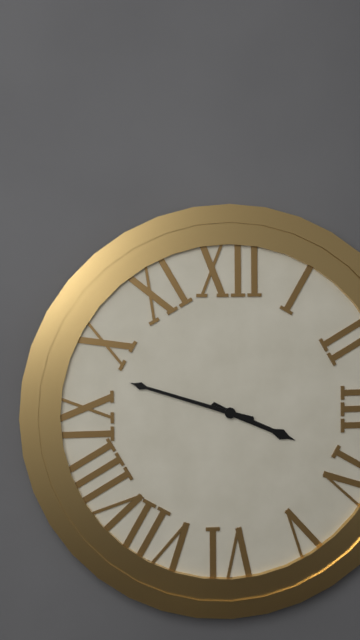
3:48
